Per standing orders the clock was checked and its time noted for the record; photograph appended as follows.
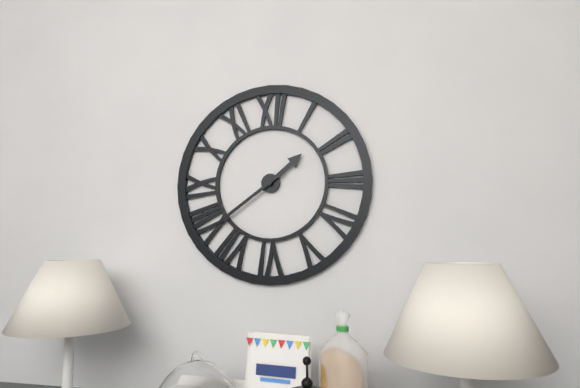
1:39
